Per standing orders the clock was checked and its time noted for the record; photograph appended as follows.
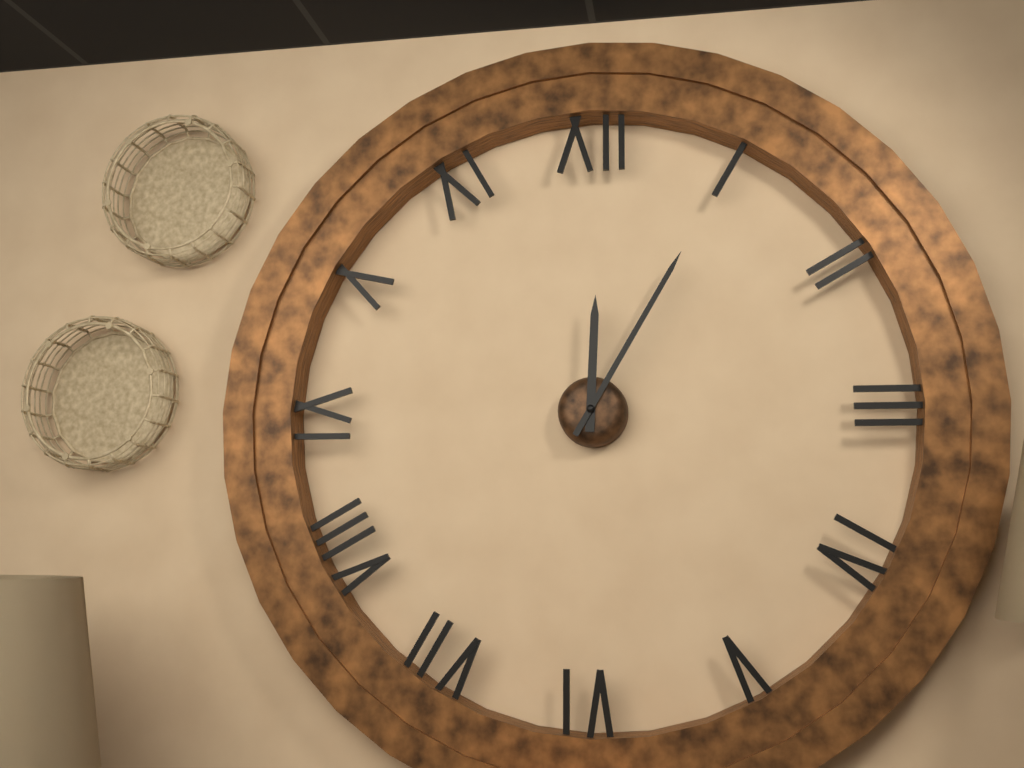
12:05
